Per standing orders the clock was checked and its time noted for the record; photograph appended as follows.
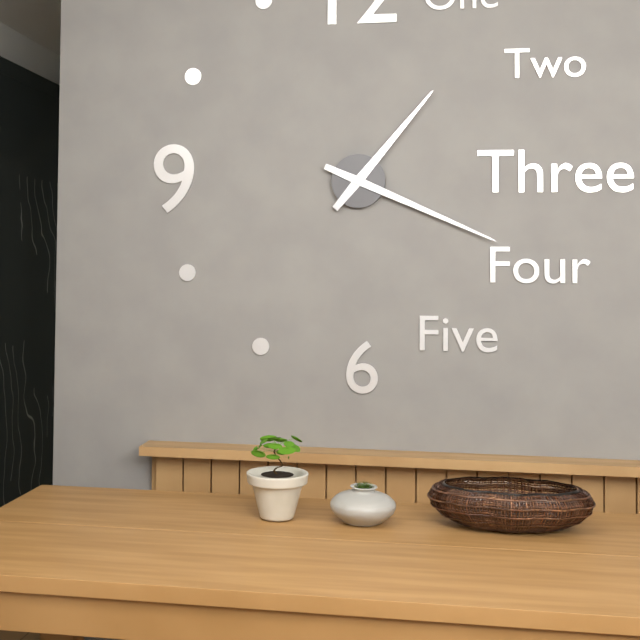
1:19
